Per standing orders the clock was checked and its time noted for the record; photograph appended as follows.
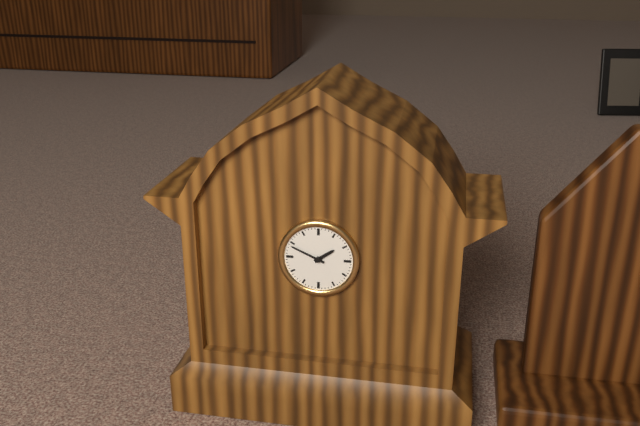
1:49
